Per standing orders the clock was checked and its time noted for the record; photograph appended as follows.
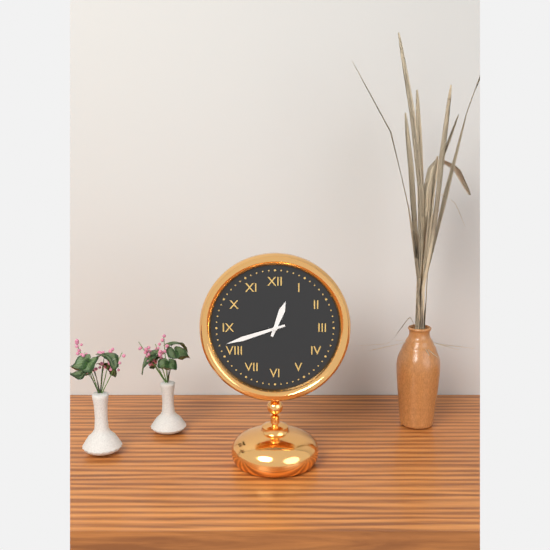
12:42
